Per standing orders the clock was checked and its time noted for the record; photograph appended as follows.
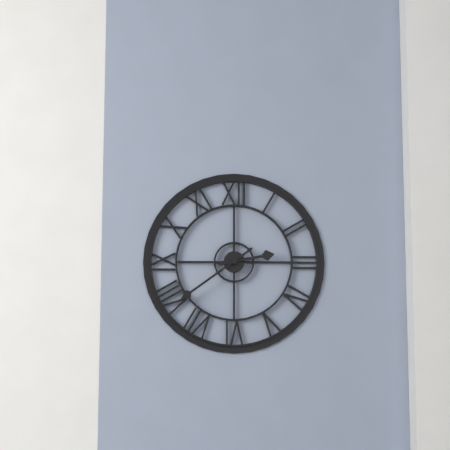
2:39
